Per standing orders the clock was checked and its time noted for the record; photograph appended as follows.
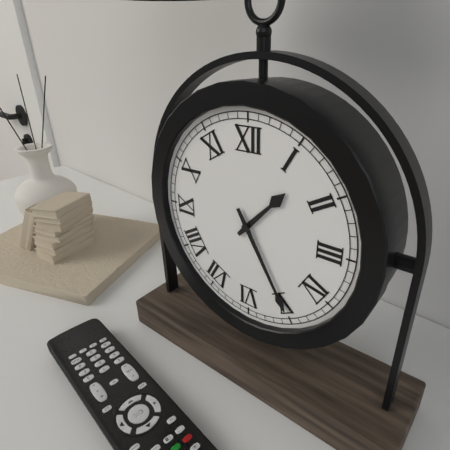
1:25
